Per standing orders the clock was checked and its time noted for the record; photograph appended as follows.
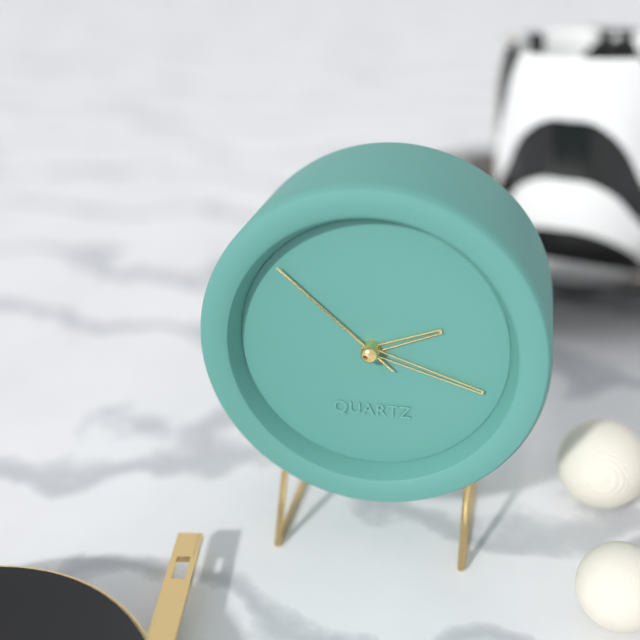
2:18:52
